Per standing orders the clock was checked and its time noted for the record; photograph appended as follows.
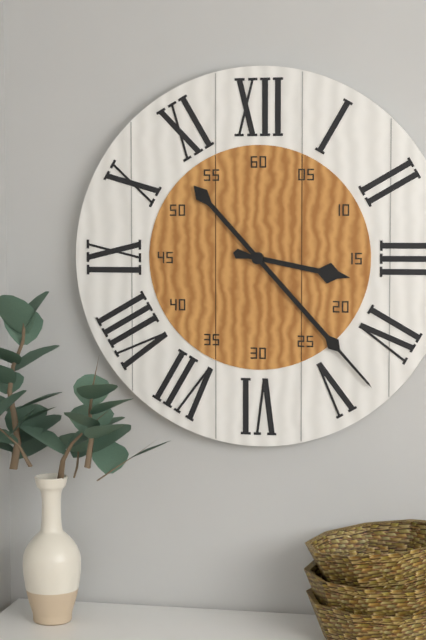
3:23
